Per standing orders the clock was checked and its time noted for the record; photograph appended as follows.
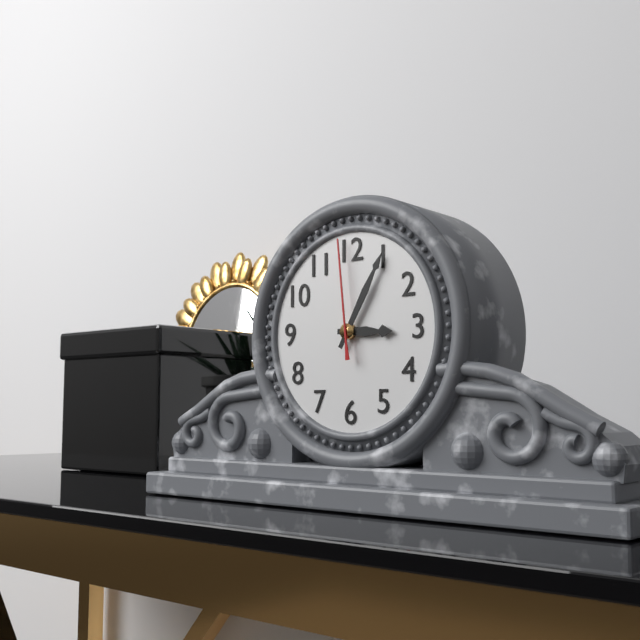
3:05:59
